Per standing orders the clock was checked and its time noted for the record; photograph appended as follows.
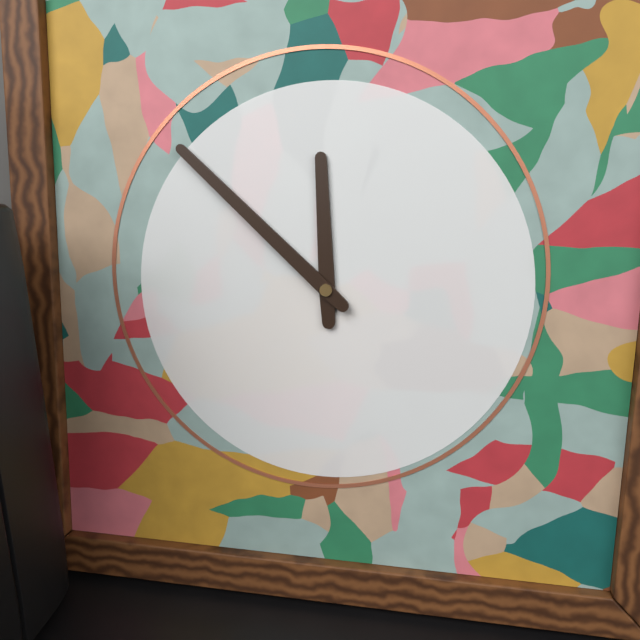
11:52
